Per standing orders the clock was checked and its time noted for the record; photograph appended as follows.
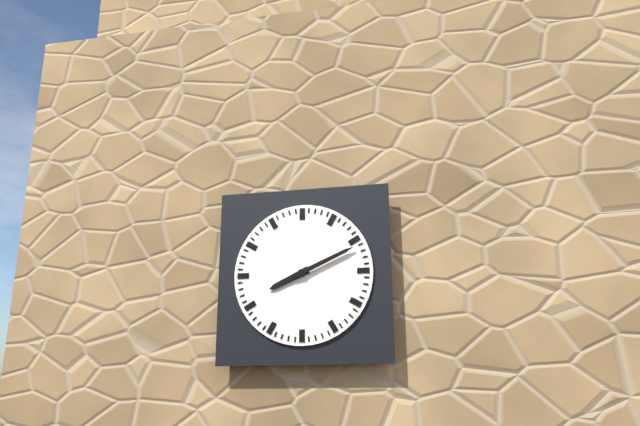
8:11
